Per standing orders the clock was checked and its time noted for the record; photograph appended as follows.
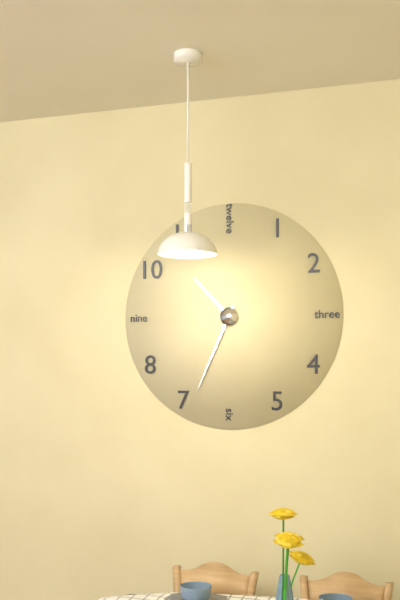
10:34
